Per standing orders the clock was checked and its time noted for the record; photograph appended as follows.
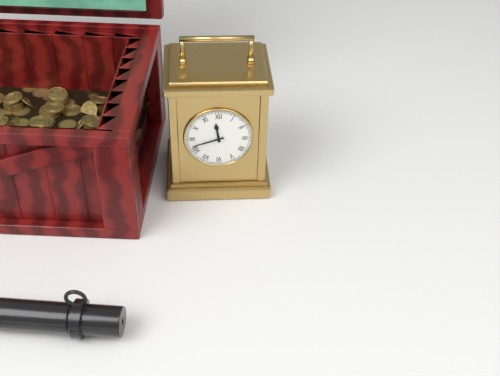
11:42
